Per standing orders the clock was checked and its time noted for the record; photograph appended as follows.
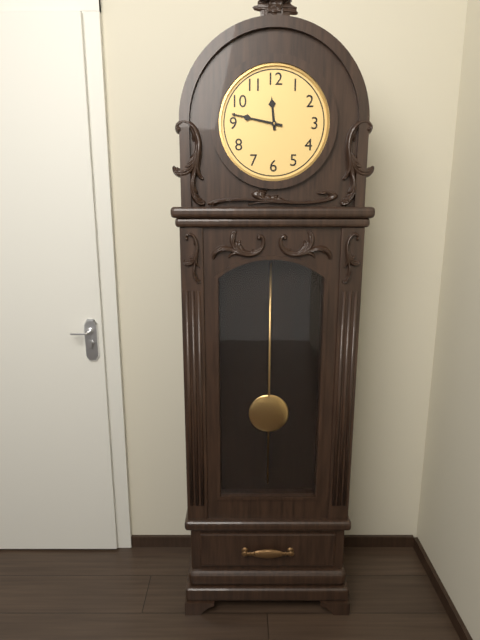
11:47
